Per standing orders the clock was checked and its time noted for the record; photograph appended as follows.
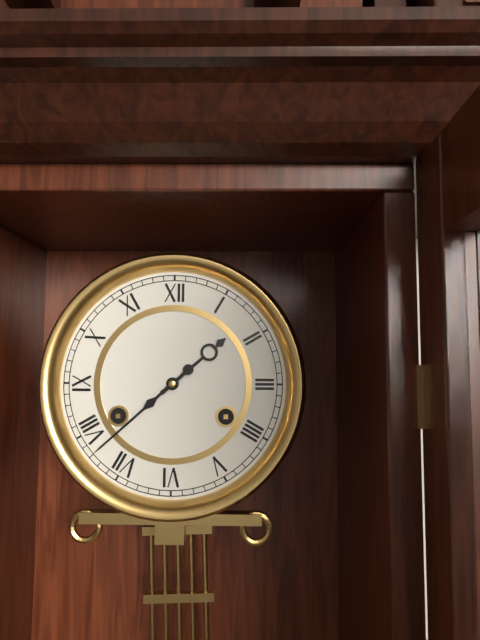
1:38
